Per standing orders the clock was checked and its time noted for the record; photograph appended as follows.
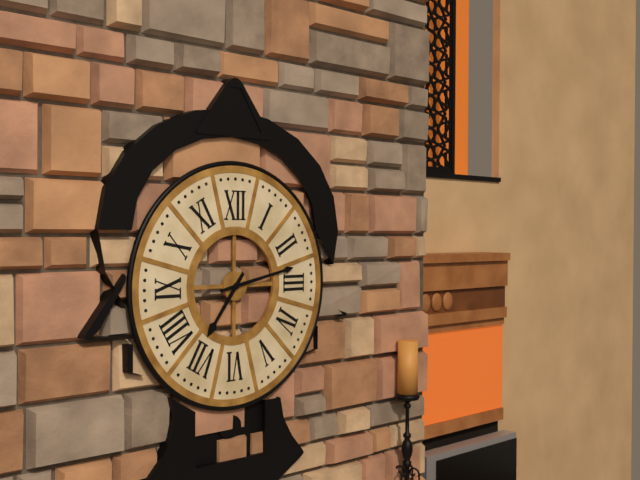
7:13
